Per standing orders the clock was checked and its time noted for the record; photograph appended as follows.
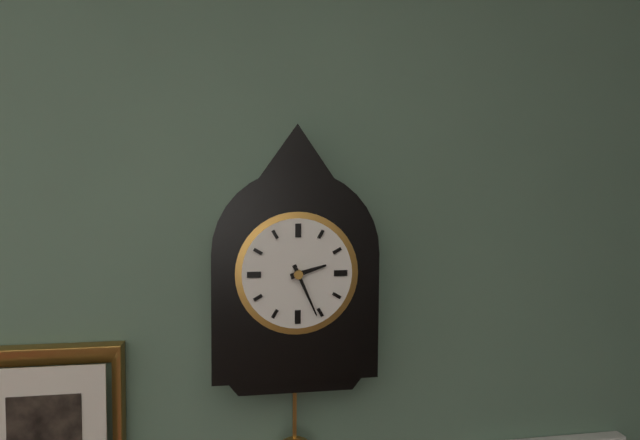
2:26
